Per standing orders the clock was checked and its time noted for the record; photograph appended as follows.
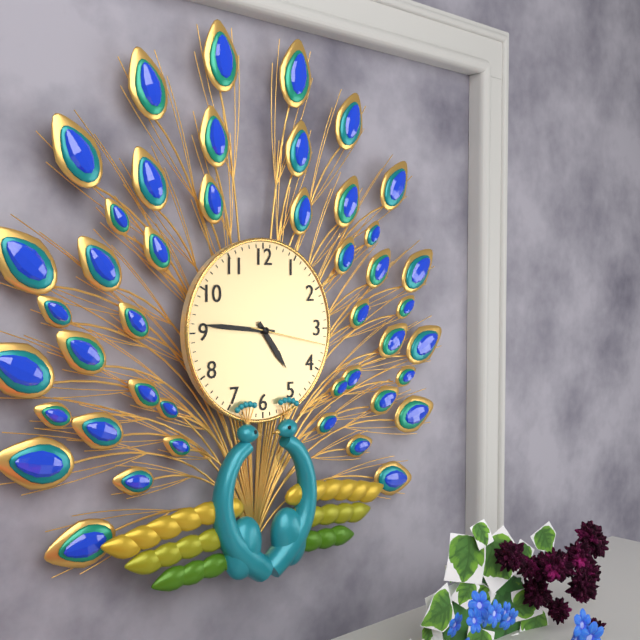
4:46:17
